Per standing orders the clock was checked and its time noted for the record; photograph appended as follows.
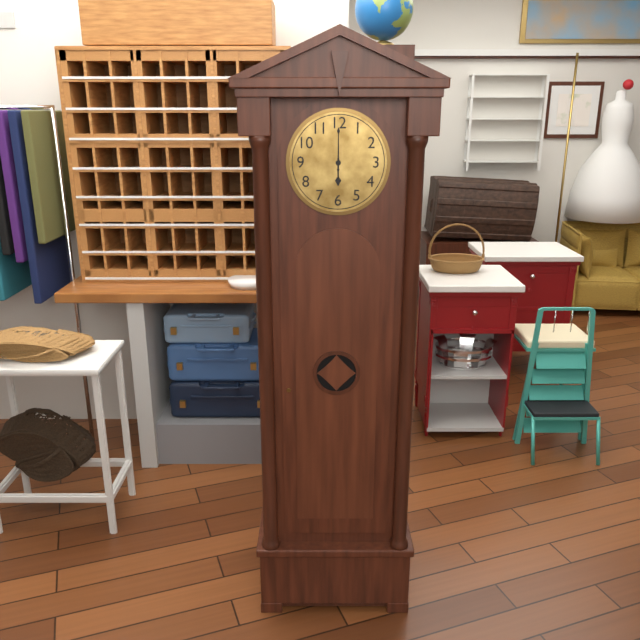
6:00
